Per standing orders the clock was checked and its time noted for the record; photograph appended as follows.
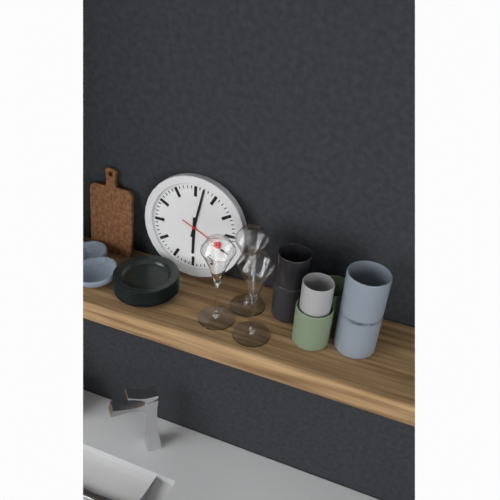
6:02
